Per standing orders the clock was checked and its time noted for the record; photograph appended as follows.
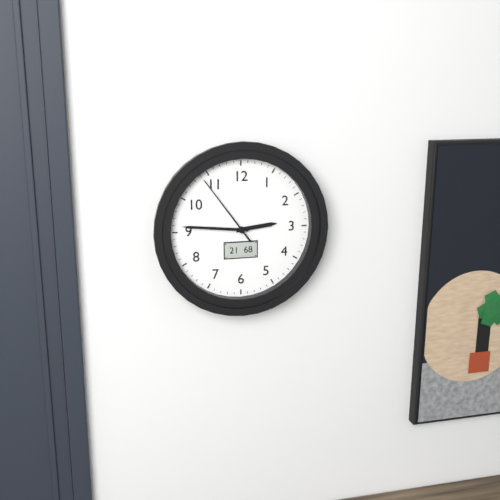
2:46:54
